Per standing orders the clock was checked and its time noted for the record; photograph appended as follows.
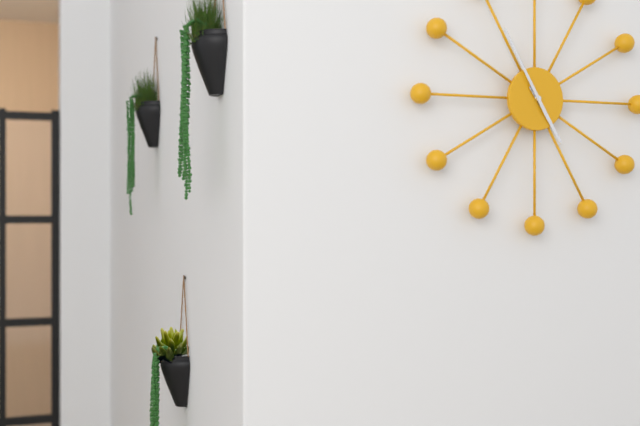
4:55
